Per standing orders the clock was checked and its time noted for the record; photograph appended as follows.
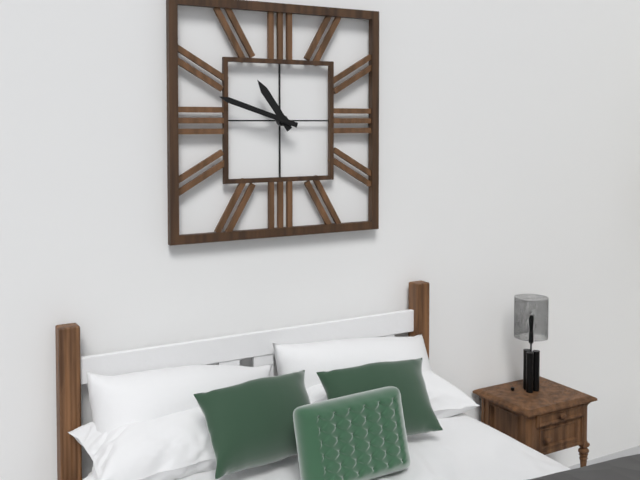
10:48
